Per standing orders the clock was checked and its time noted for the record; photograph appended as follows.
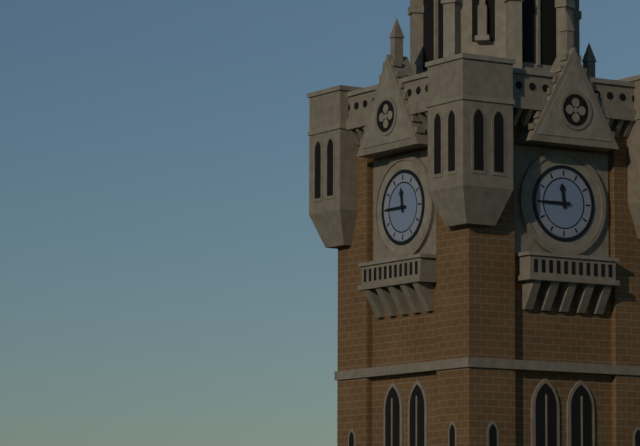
11:45
